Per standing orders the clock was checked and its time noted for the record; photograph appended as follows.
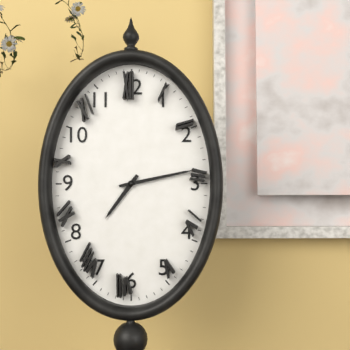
7:13
